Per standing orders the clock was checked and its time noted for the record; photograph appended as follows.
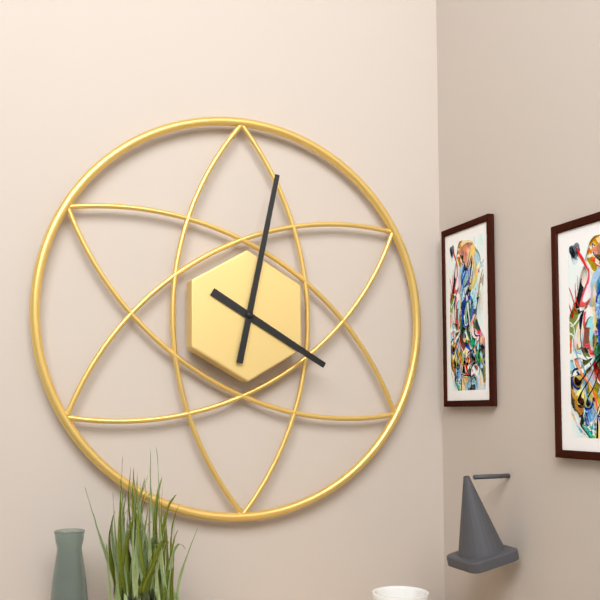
4:02
